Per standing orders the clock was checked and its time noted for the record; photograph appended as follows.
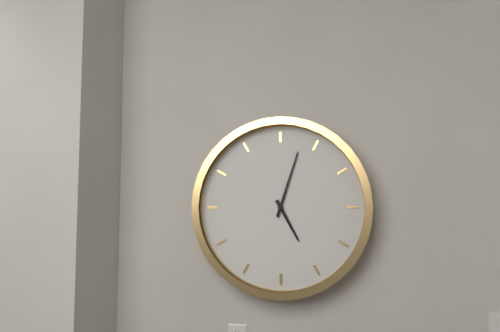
5:03
